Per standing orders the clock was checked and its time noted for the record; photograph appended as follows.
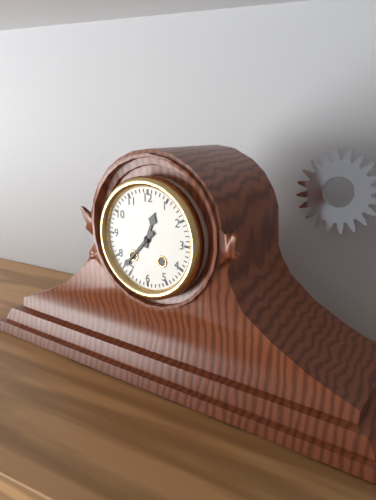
12:37
